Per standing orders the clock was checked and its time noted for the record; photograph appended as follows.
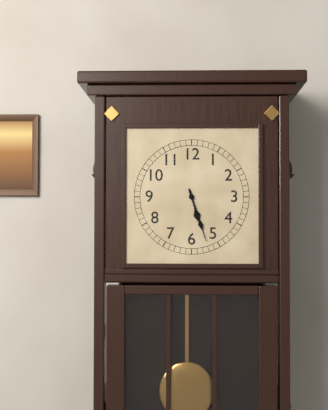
5:27
